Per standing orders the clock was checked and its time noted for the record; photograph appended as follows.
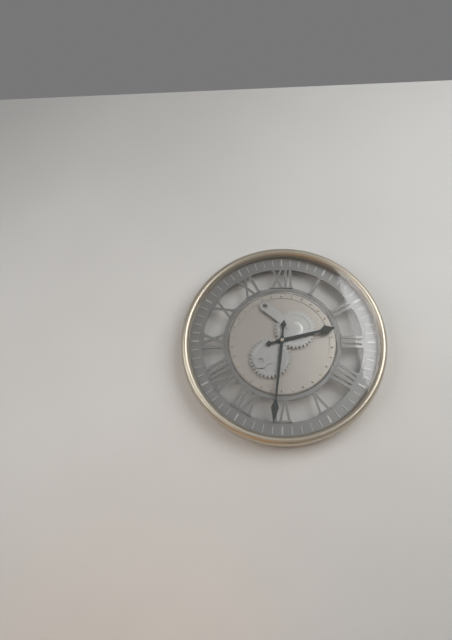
2:31
